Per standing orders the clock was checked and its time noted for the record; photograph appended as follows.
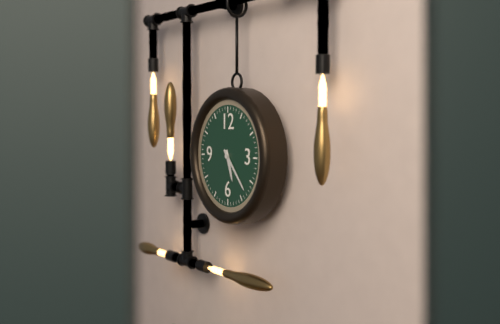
5:23
